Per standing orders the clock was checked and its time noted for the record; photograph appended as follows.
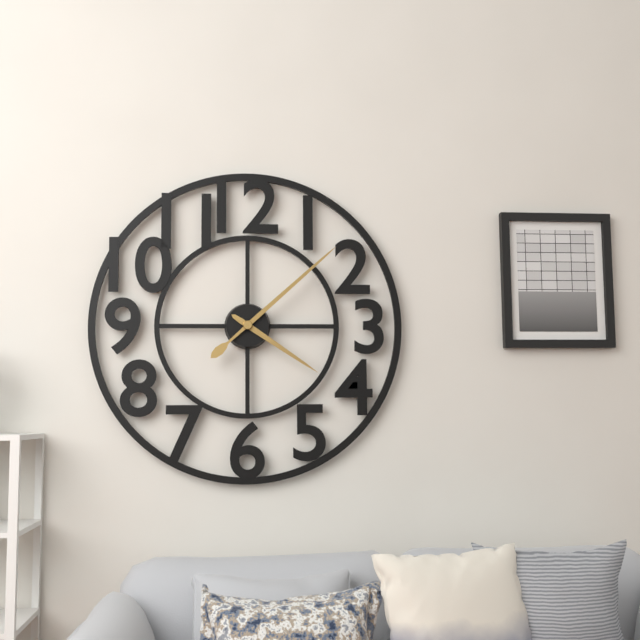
4:08
